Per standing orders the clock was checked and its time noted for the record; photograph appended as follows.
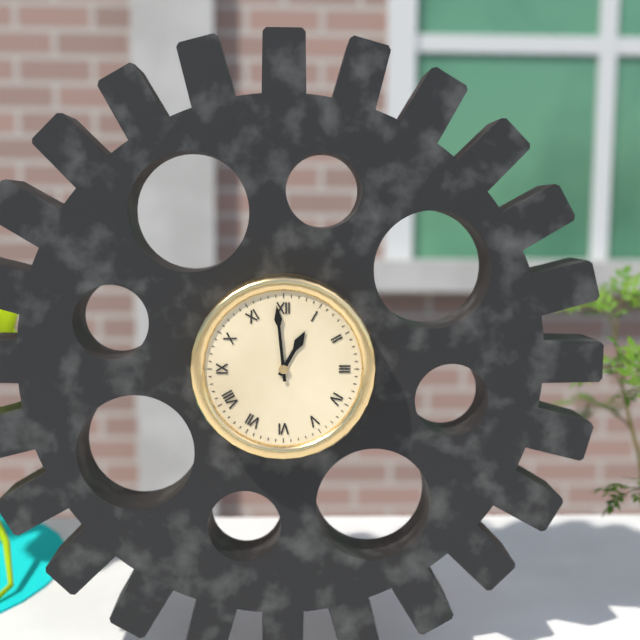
12:59
